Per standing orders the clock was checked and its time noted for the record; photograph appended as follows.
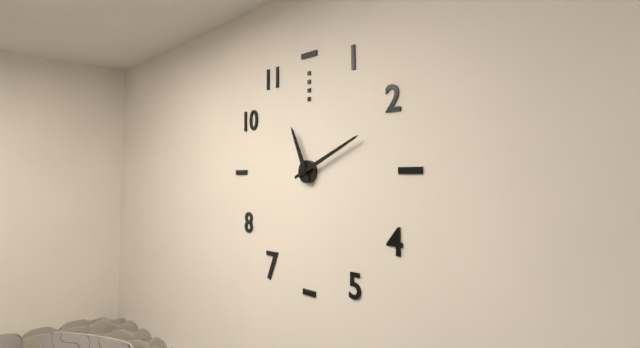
11:11
